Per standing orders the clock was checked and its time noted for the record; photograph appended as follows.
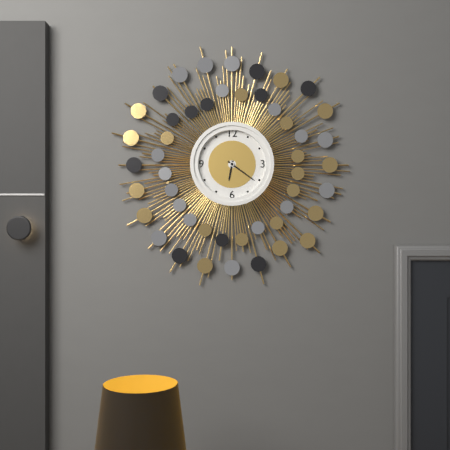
6:21
